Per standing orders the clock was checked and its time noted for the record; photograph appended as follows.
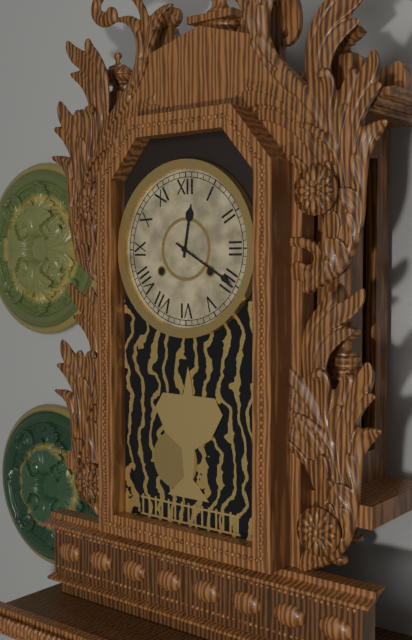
12:20
